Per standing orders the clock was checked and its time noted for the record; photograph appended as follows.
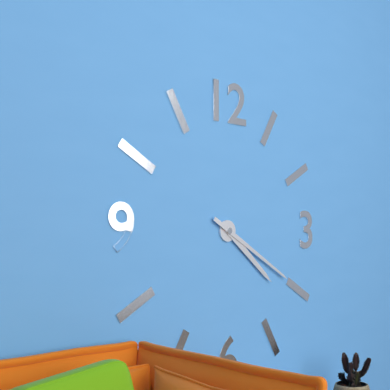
4:20
